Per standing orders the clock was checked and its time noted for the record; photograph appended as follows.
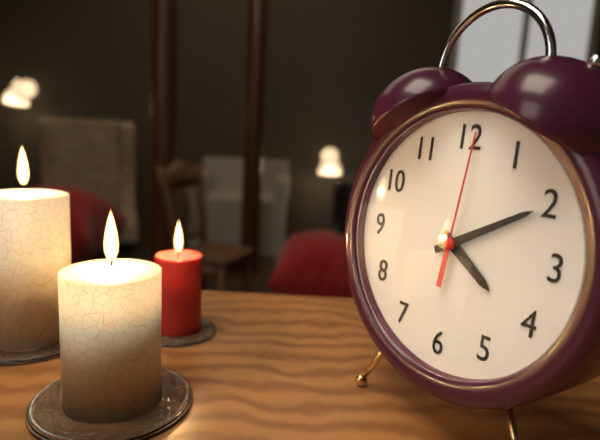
4:10:01
